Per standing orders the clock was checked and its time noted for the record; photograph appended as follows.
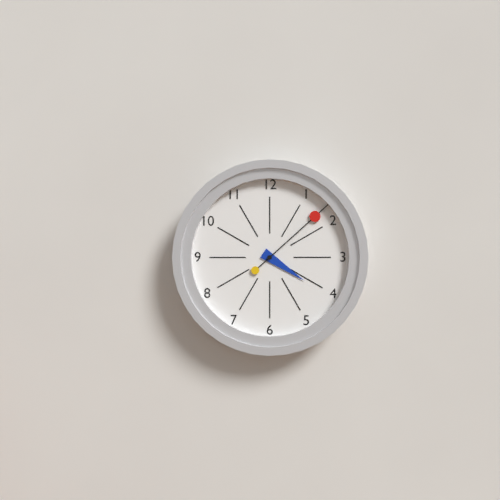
4:08
